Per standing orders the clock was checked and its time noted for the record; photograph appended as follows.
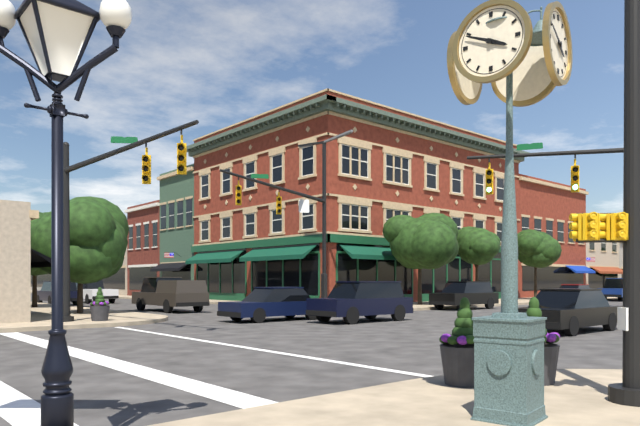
3:49
